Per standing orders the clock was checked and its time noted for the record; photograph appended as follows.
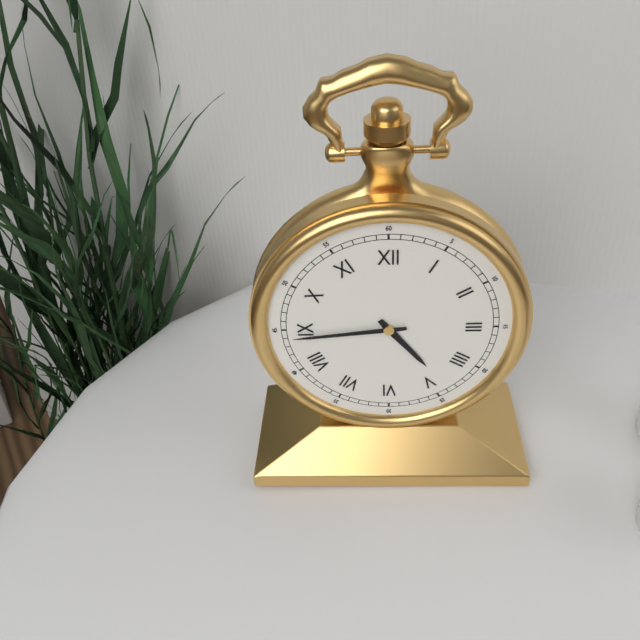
4:44
